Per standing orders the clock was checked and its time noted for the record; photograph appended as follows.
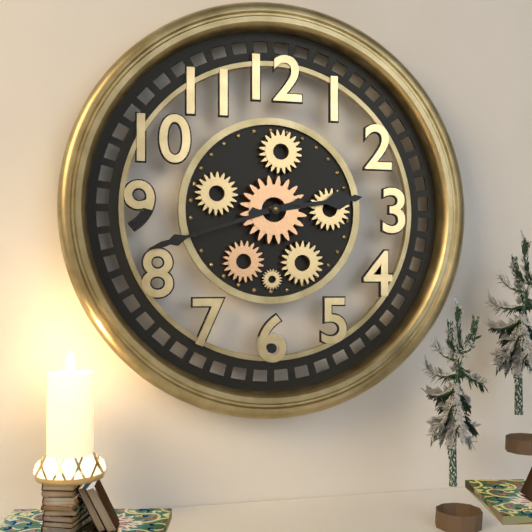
2:42
